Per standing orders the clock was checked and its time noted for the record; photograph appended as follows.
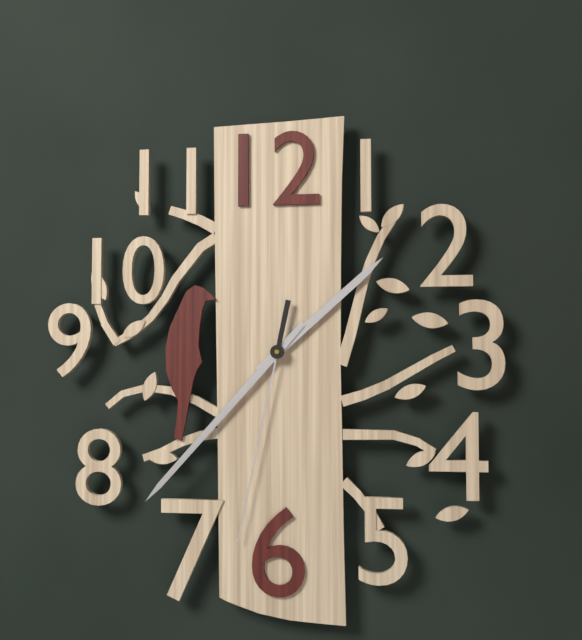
1:37:32
